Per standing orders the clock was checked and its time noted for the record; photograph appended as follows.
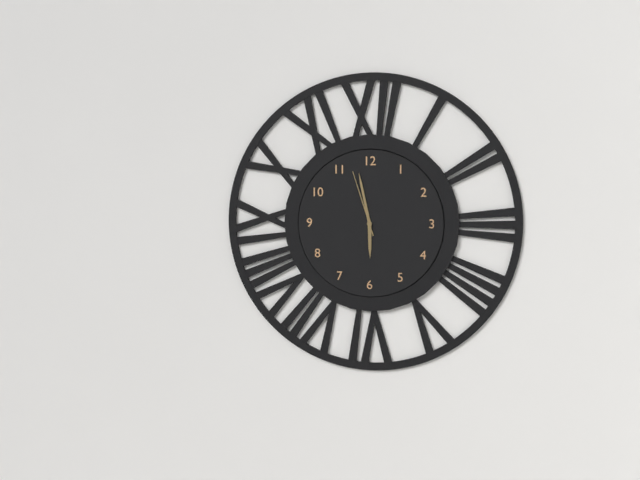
5:58:57
